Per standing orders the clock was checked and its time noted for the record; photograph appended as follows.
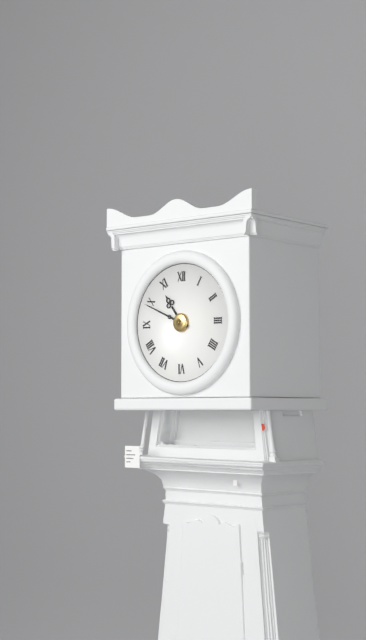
10:49
